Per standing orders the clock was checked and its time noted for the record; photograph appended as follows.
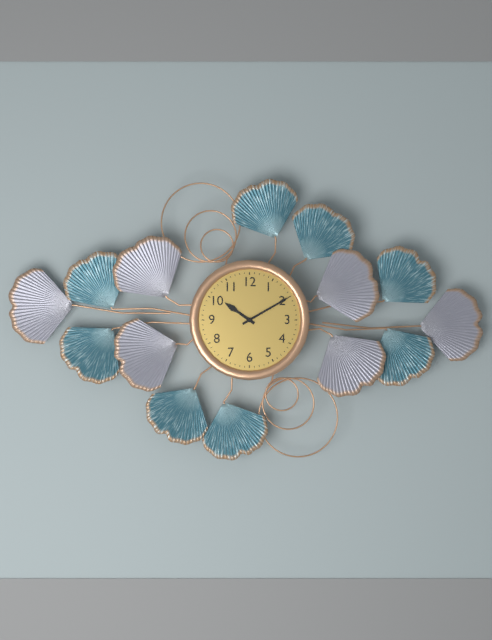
10:10
